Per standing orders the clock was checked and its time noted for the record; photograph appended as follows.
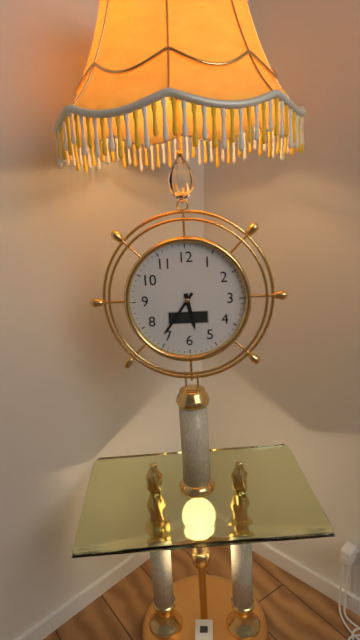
5:36
